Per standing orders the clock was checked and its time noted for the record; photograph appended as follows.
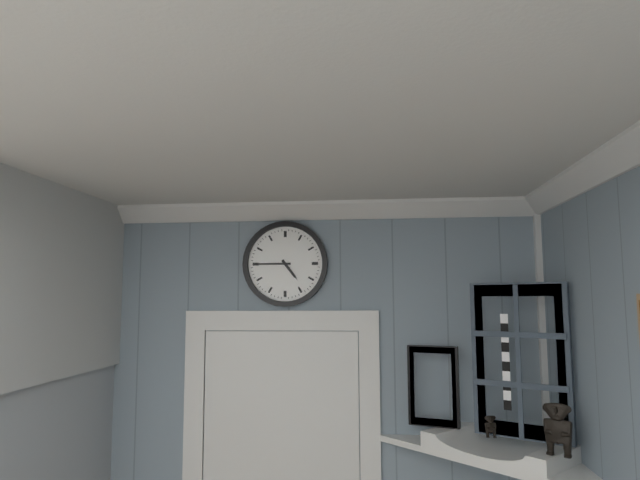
4:45
